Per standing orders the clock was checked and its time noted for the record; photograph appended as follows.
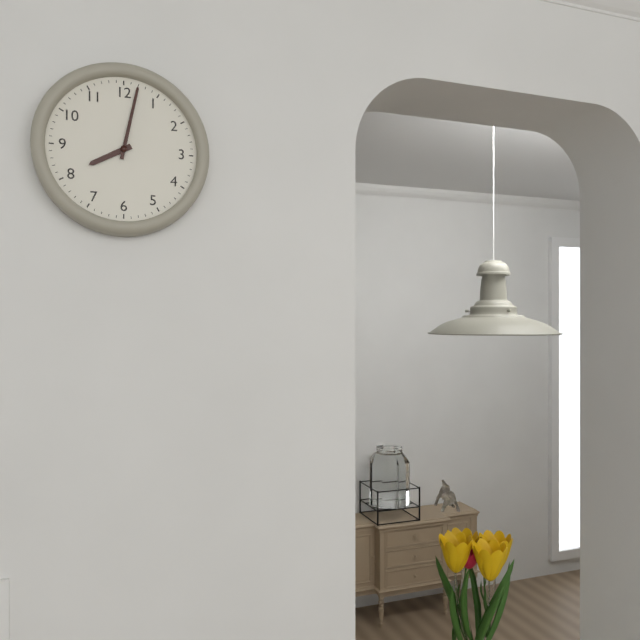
8:02
